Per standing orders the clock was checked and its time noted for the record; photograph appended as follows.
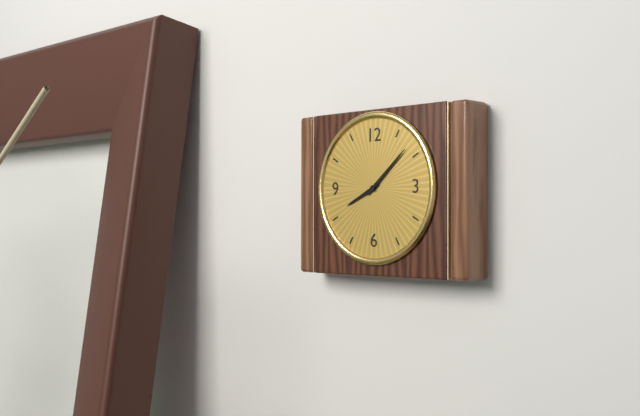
8:08
